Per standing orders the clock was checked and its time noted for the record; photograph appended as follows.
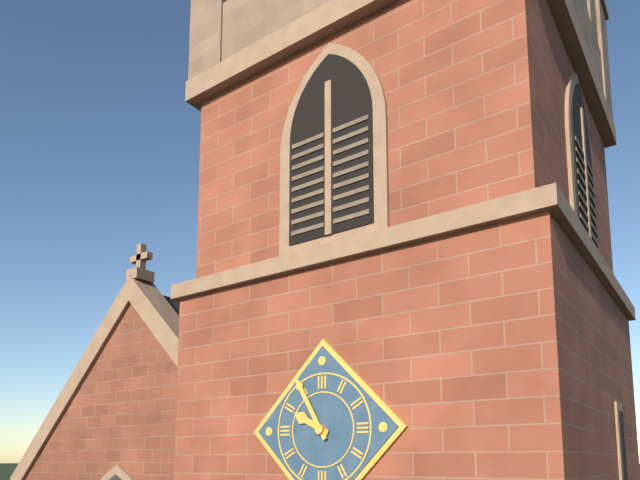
9:55
